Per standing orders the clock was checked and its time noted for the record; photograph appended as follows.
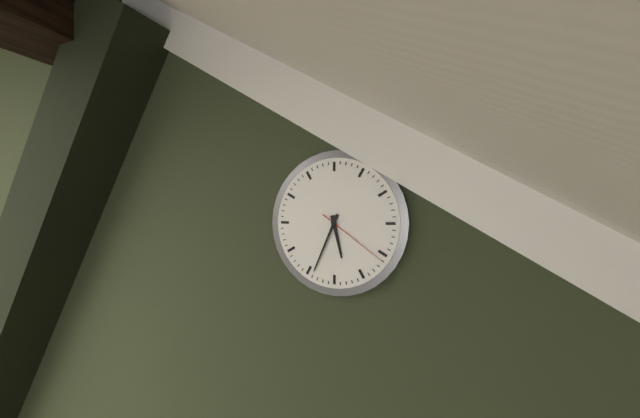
5:34:21
